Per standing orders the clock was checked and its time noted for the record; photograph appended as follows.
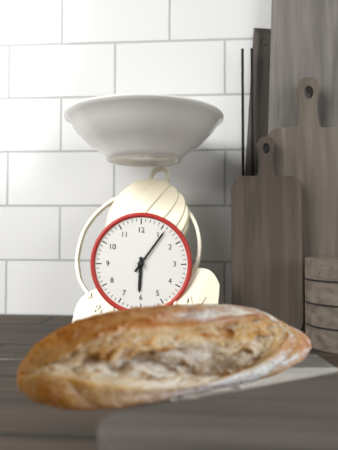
6:06
